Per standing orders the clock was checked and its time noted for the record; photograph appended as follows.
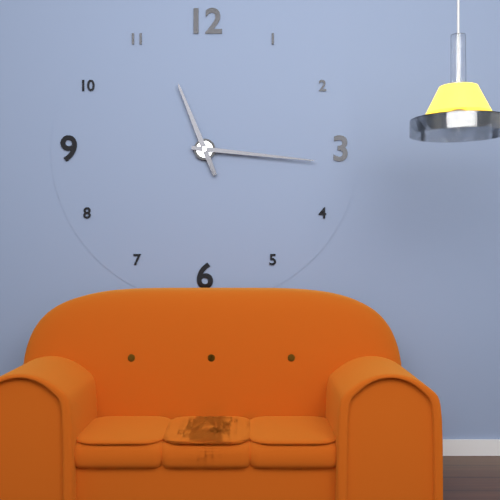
11:16
